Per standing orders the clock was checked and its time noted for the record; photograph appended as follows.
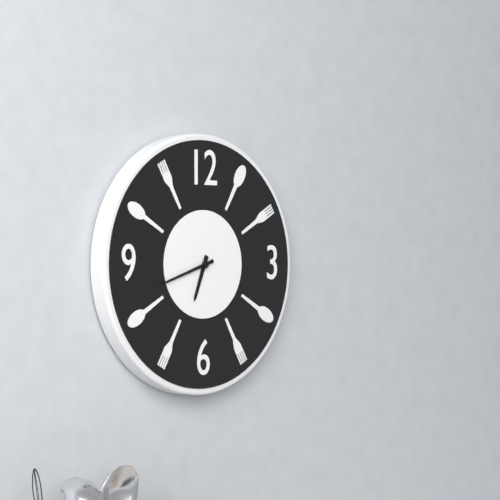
6:42
